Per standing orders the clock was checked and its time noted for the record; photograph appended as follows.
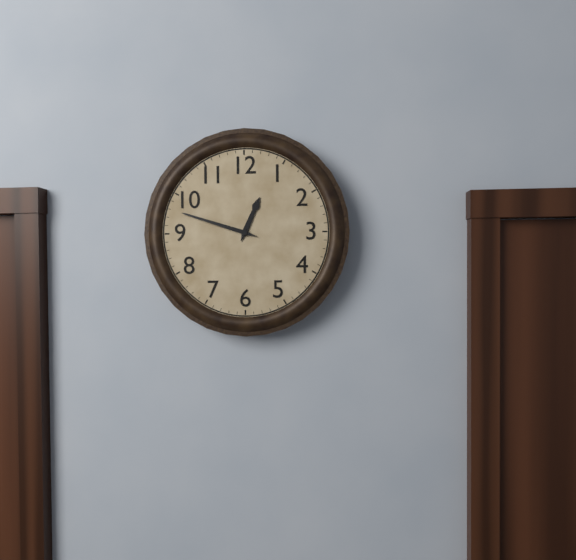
12:48
